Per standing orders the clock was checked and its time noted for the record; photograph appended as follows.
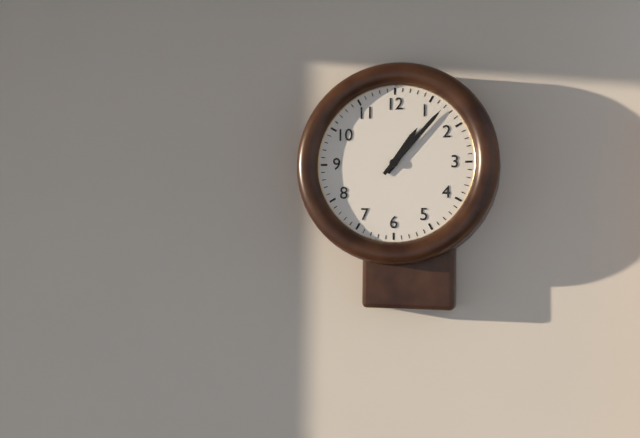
1:07
